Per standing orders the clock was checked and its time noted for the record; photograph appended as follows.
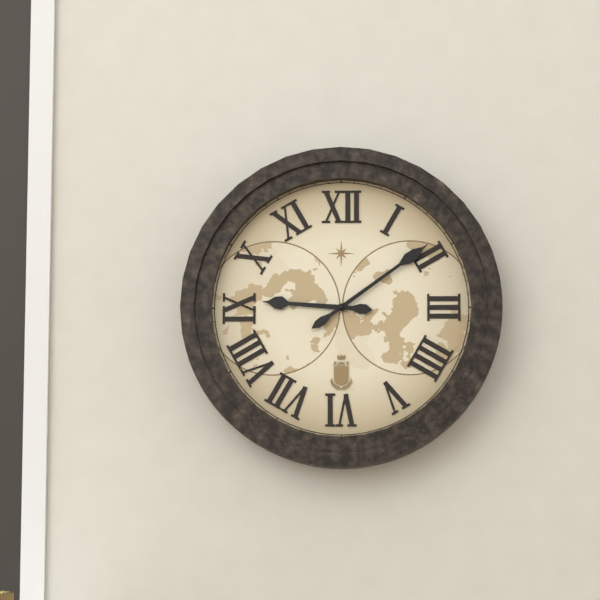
9:09
